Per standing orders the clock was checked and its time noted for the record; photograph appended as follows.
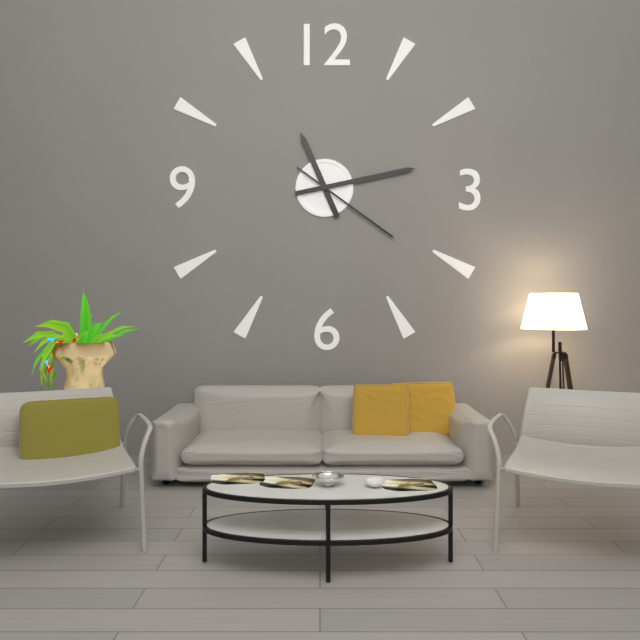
11:13:21
